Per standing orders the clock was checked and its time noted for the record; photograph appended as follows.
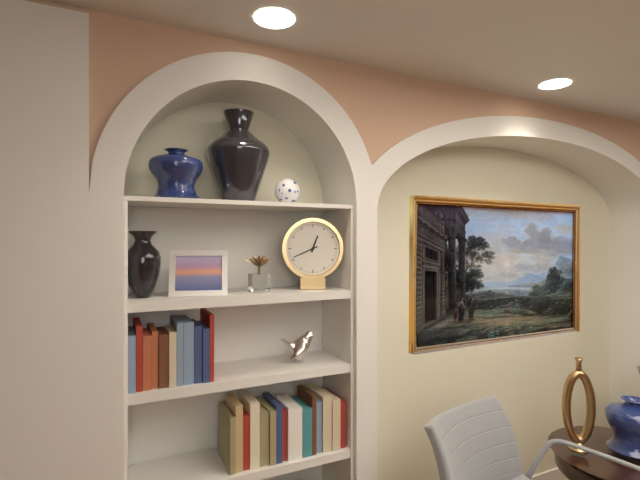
12:41
